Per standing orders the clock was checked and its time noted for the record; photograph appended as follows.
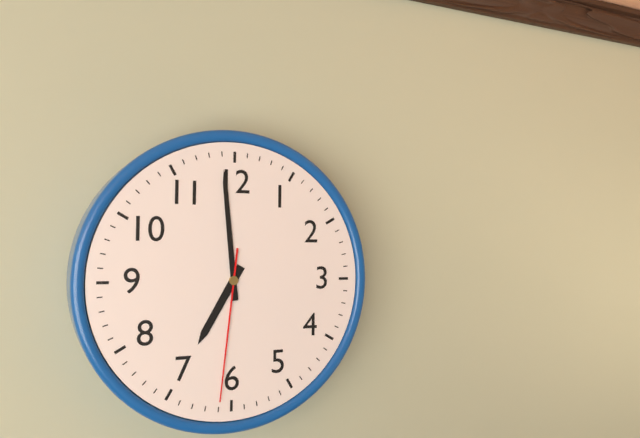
6:59:31
